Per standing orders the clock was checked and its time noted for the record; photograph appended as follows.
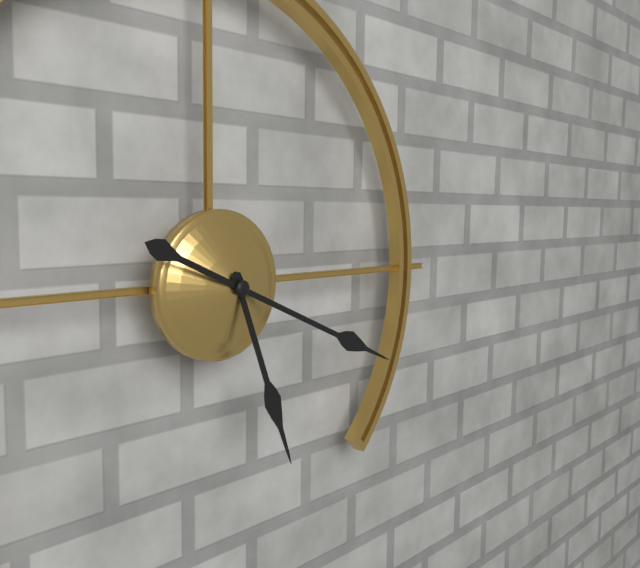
5:19
